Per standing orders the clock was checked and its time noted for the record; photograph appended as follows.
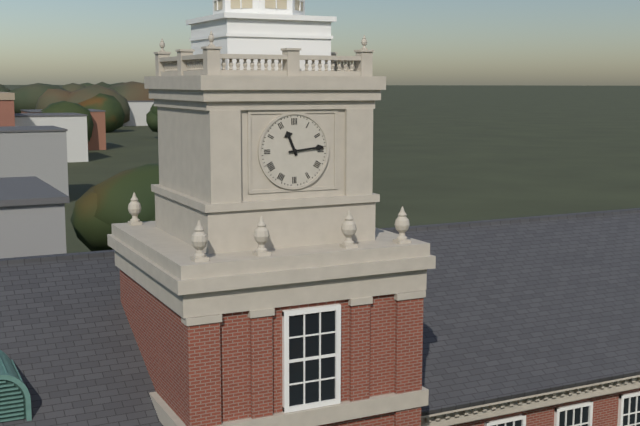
11:14
